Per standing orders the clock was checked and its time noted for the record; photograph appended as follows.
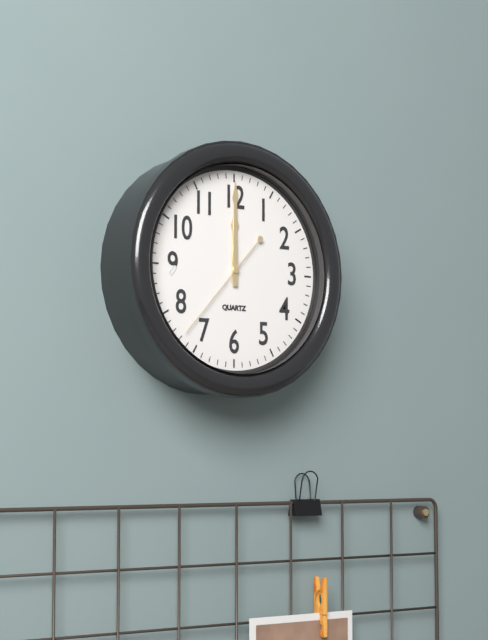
12:00:37
